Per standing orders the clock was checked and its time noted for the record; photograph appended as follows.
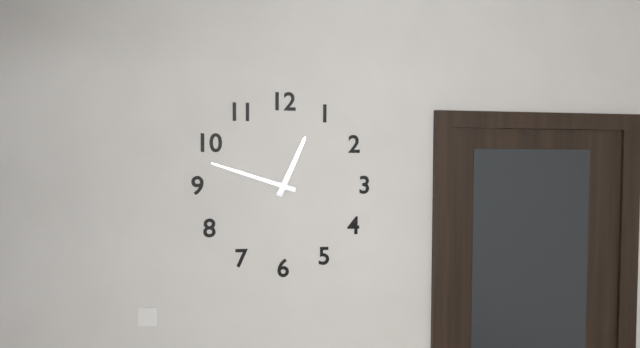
12:48
